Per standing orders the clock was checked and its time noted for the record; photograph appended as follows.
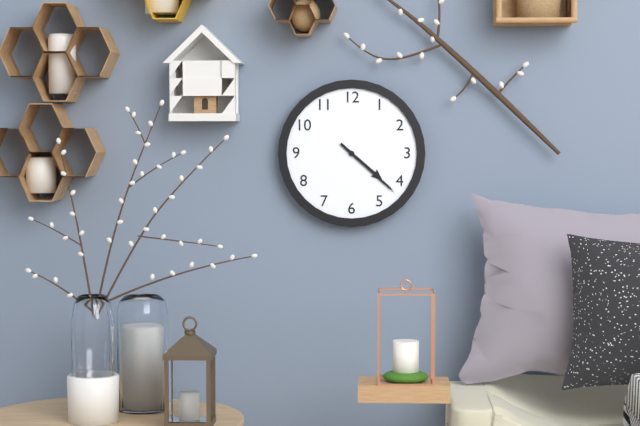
4:22
